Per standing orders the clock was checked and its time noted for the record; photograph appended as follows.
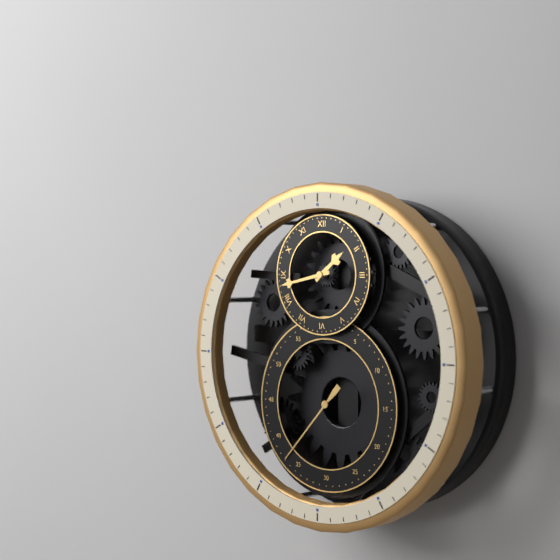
1:43:37
